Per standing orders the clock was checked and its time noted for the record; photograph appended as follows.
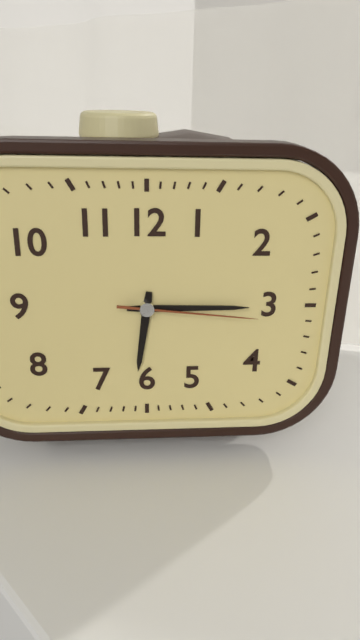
6:15:16
